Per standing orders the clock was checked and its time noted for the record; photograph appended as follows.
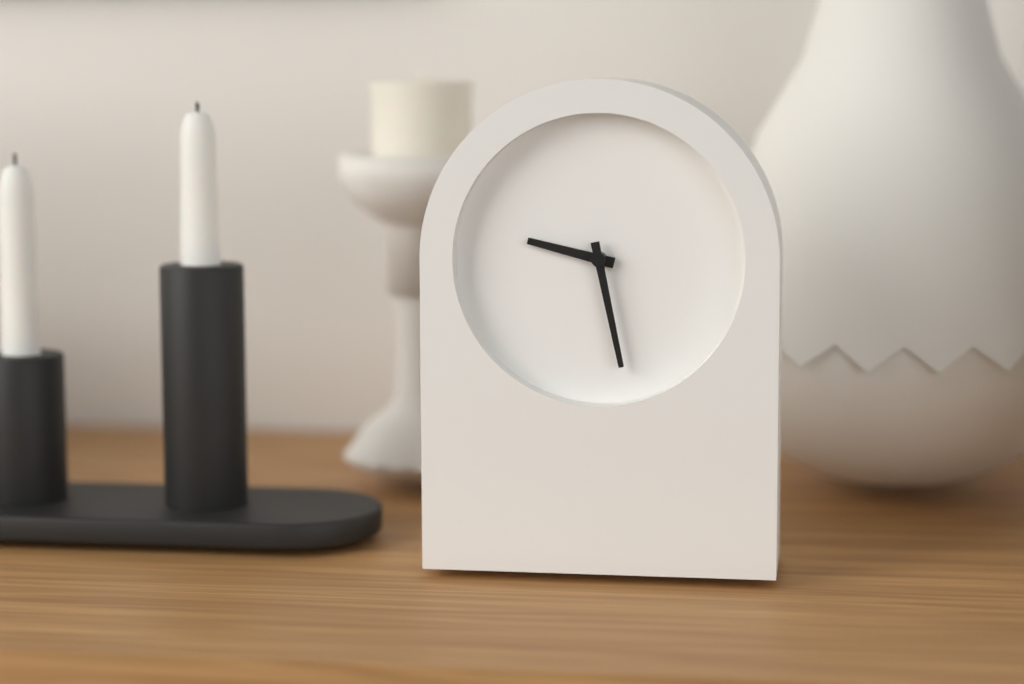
9:28
